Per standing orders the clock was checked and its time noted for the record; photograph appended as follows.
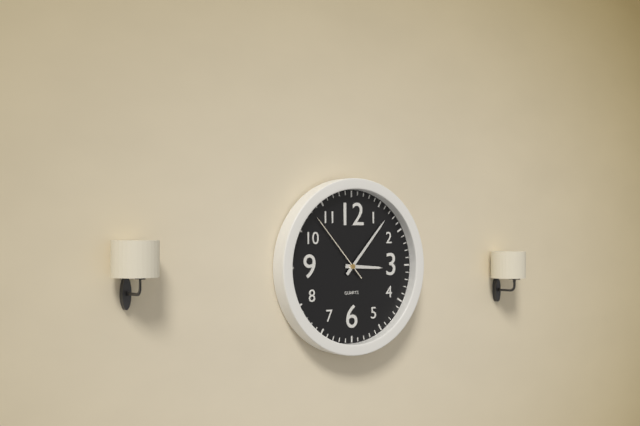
3:07:53
